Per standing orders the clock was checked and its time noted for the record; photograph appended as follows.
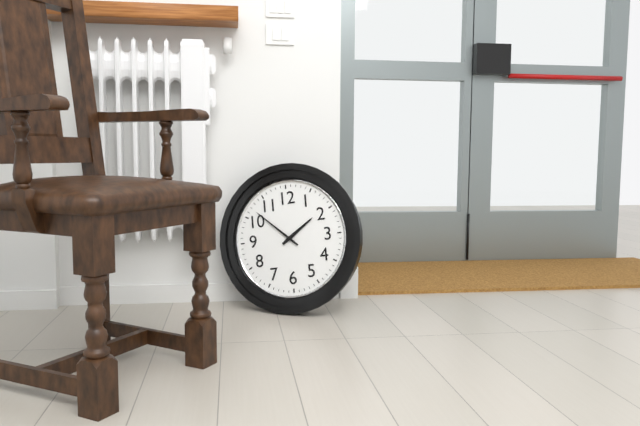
1:52
